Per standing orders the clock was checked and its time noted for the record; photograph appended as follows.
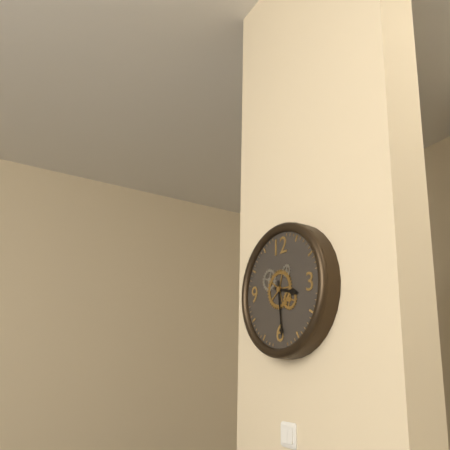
3:29
